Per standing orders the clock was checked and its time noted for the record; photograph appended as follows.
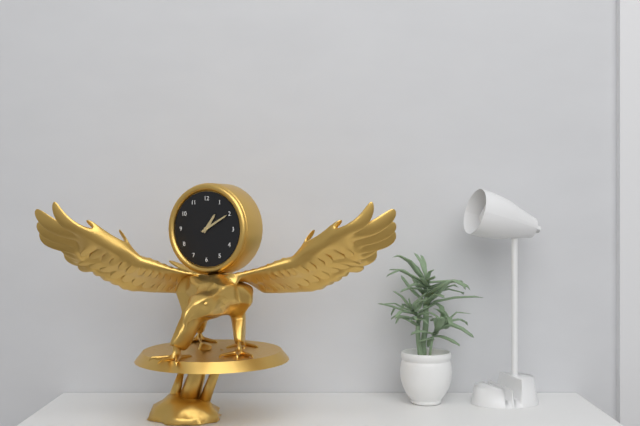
1:10
